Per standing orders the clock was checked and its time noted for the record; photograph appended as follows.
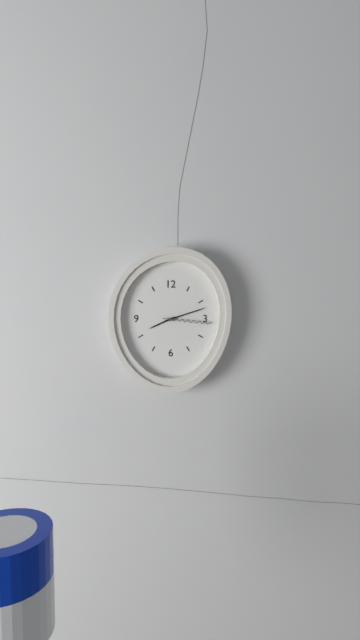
8:12:16
